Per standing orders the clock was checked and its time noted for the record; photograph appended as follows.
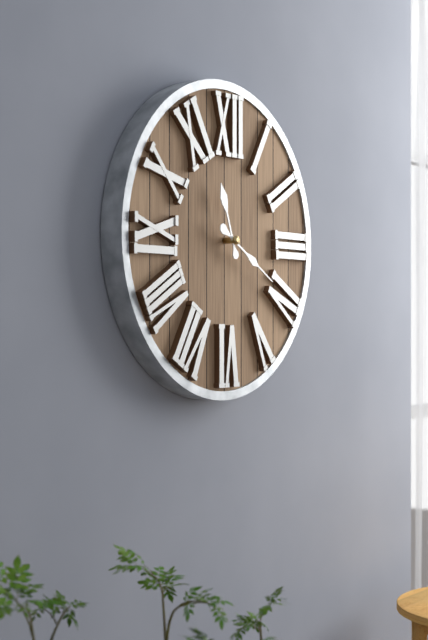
11:20
